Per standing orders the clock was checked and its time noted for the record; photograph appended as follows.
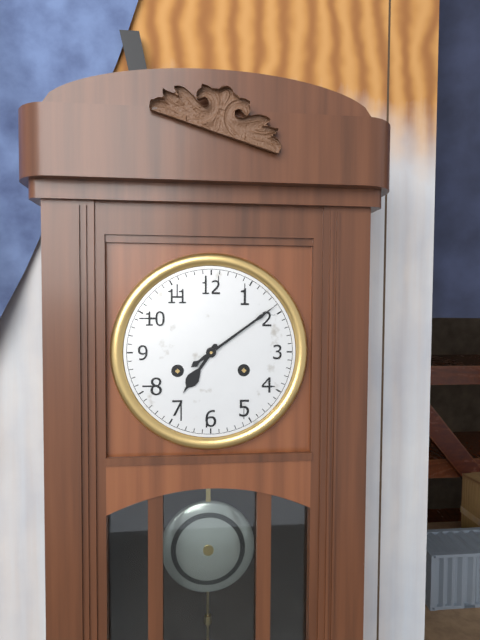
7:09
